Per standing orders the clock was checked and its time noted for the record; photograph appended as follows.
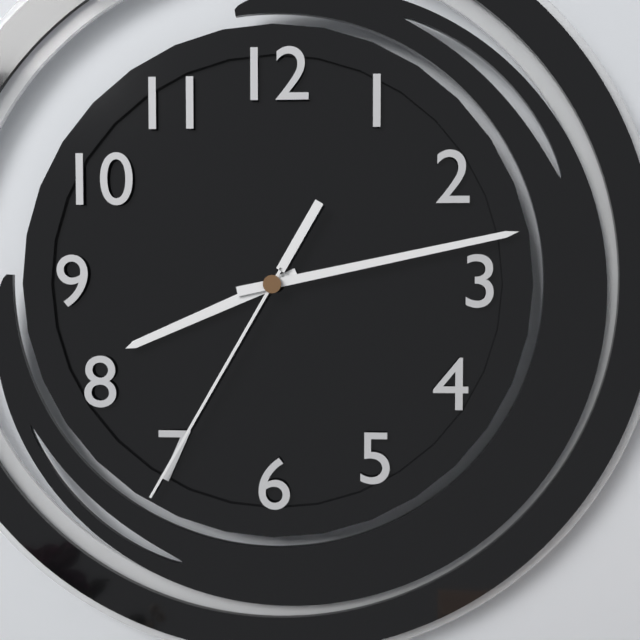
8:13:35
